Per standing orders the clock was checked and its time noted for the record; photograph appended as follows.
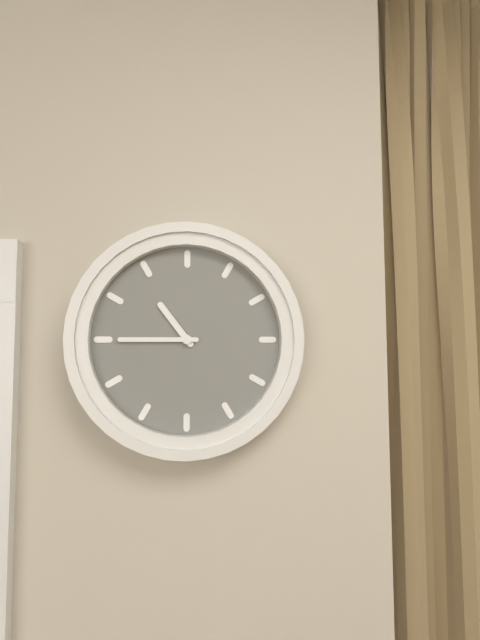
10:45
